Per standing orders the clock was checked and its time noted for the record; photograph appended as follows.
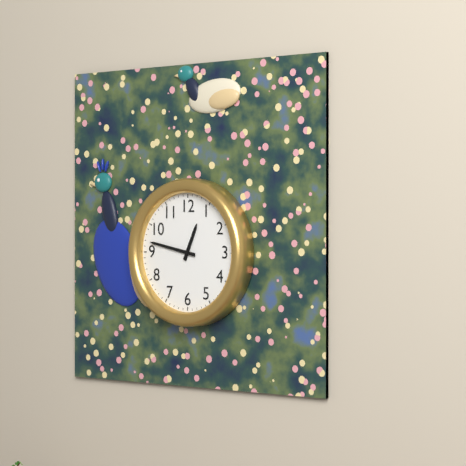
12:47
